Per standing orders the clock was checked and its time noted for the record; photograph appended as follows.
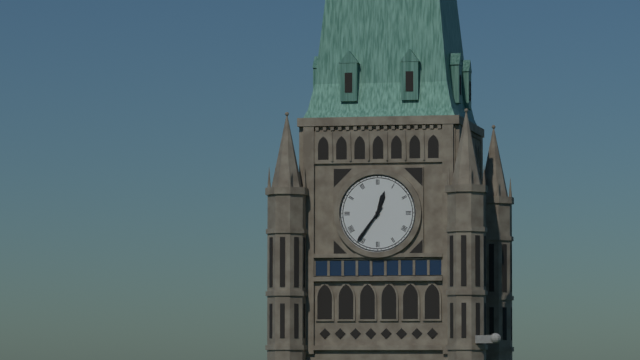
12:36
